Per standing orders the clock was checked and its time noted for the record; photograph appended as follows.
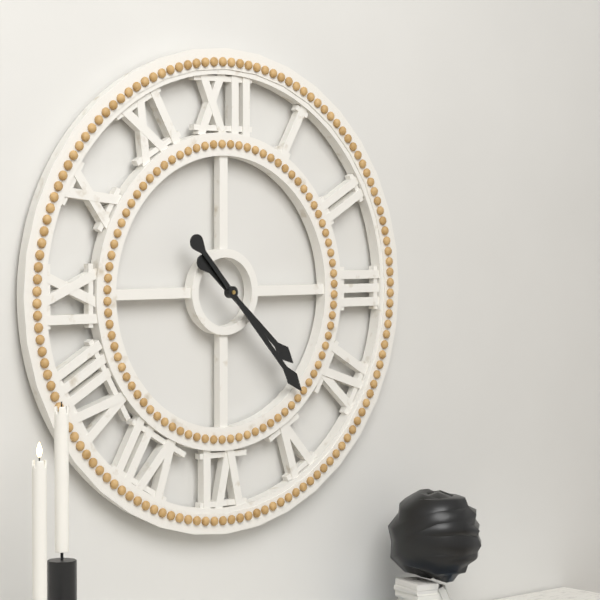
4:23
